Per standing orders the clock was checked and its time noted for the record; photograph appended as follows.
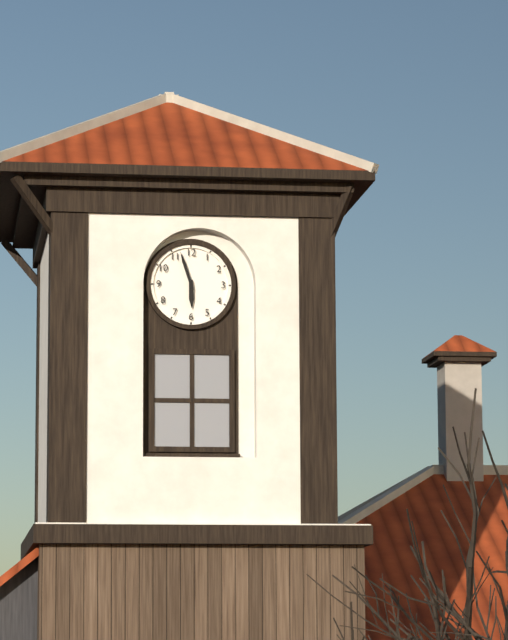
5:57
